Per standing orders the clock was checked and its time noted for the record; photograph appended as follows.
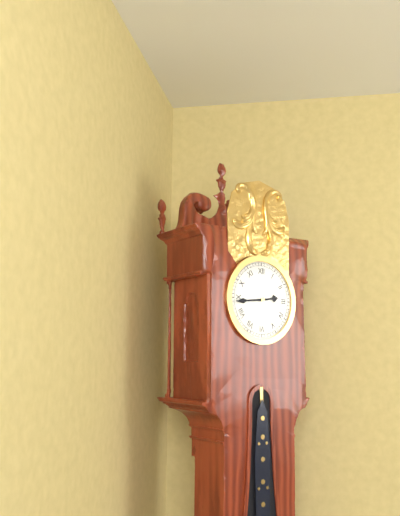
2:44
